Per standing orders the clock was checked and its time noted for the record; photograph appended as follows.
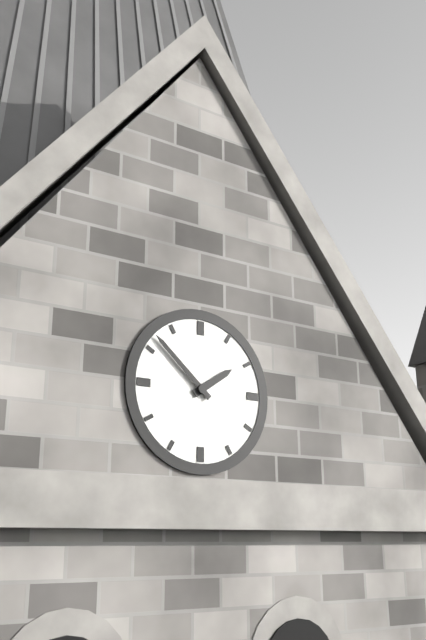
1:52
